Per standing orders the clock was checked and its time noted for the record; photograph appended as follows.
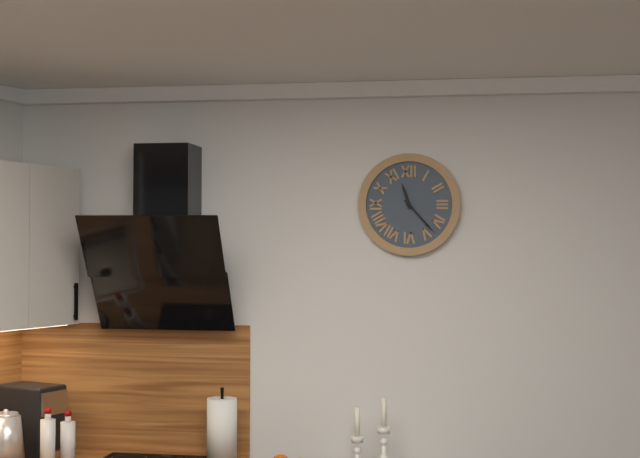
11:23
